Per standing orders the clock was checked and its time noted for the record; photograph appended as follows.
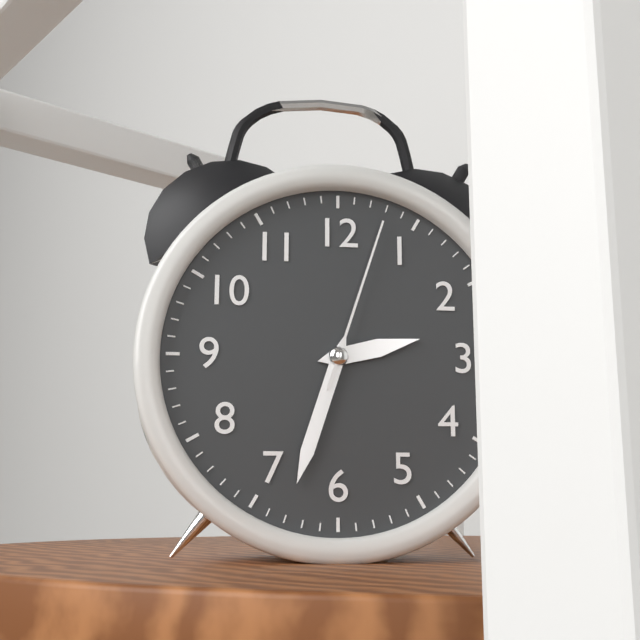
2:33:03
